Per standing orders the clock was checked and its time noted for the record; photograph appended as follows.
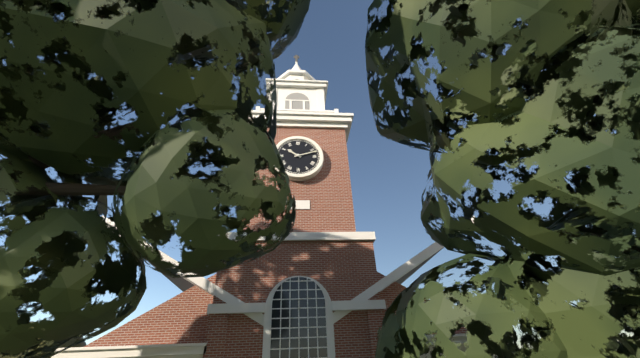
10:12
